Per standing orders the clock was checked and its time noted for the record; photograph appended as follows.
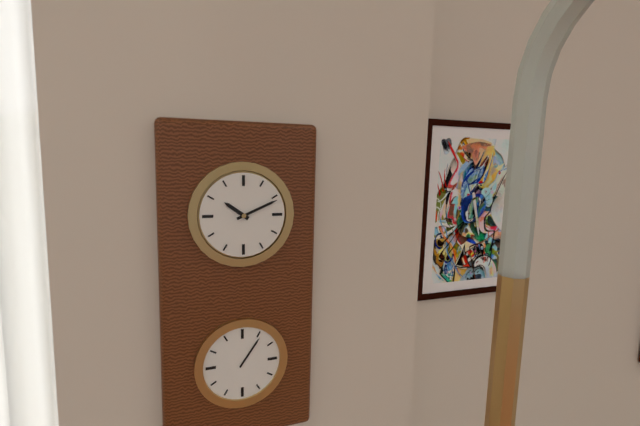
10:11
